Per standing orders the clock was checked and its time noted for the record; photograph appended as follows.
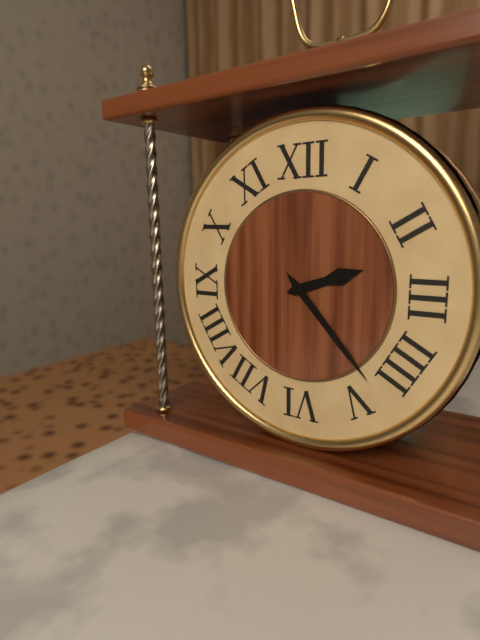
2:23
